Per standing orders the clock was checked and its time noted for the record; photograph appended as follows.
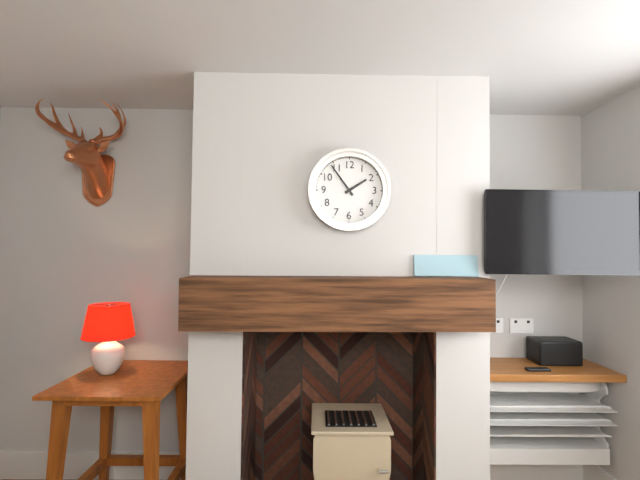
1:54
